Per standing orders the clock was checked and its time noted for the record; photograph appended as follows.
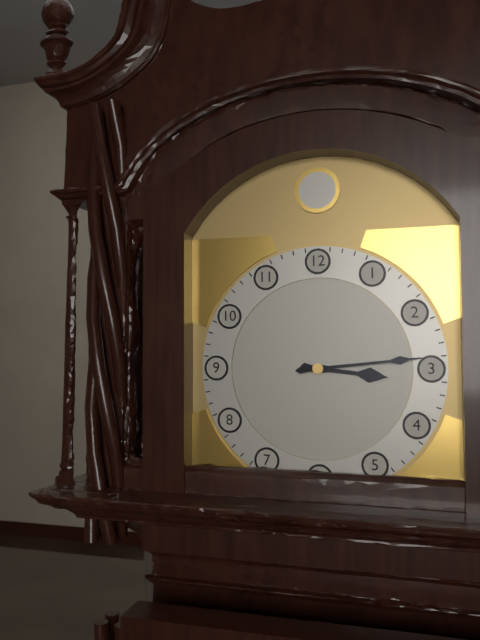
3:14
